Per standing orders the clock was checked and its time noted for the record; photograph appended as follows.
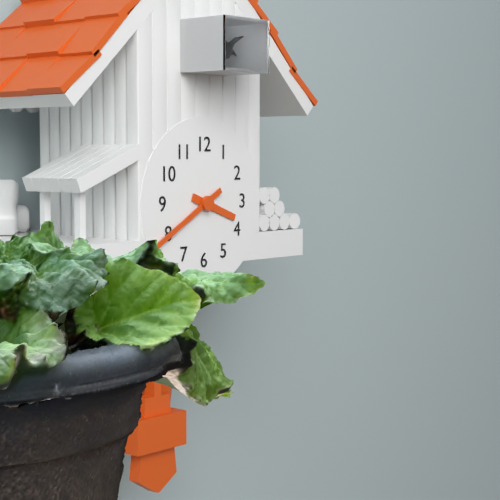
3:40
